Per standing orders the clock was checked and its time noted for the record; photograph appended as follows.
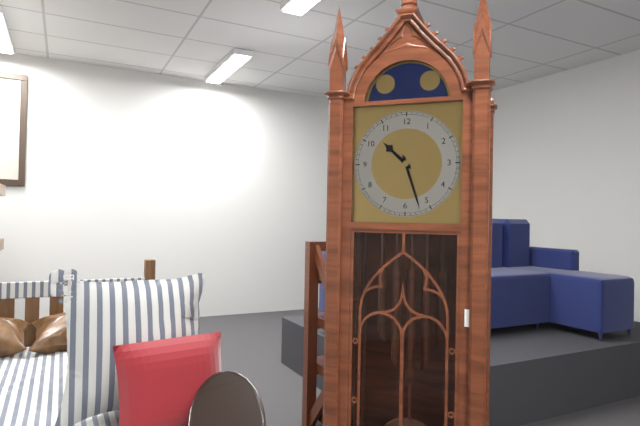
10:27
